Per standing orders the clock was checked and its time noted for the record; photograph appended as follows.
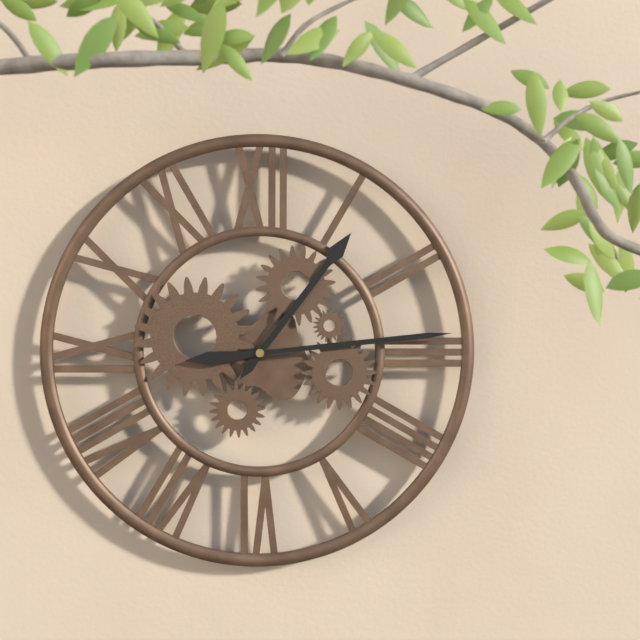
1:14
